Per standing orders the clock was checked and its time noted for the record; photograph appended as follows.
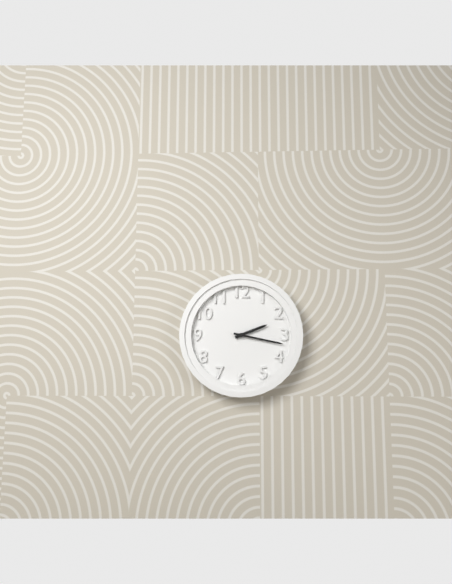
2:17
